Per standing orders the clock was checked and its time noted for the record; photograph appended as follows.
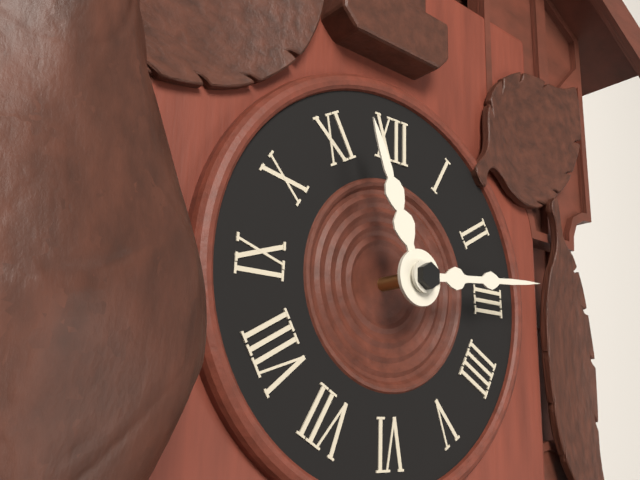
11:14
